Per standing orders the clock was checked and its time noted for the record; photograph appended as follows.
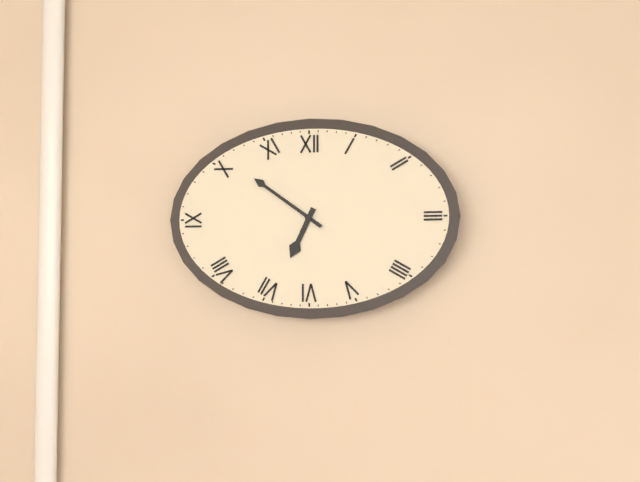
6:51
